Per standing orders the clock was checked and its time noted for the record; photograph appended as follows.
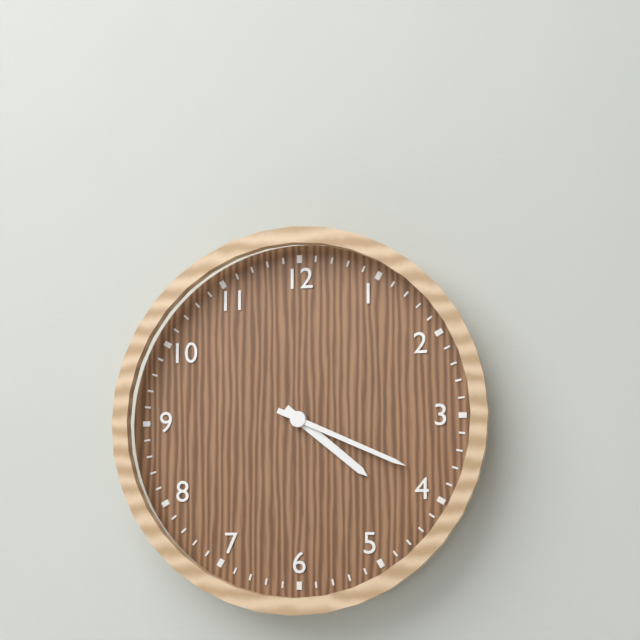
4:19
